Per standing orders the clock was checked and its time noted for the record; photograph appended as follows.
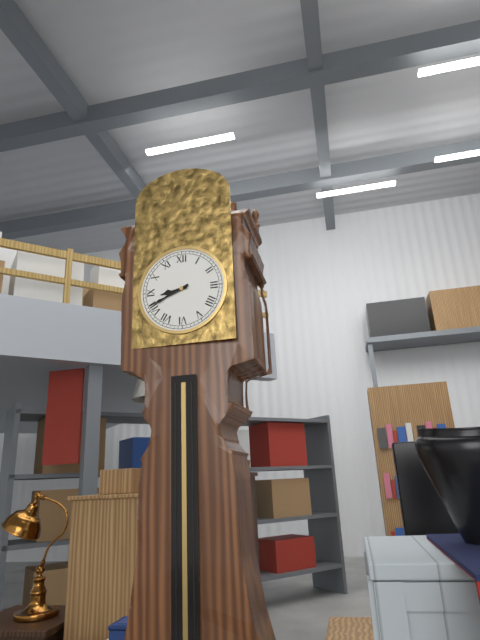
8:41
